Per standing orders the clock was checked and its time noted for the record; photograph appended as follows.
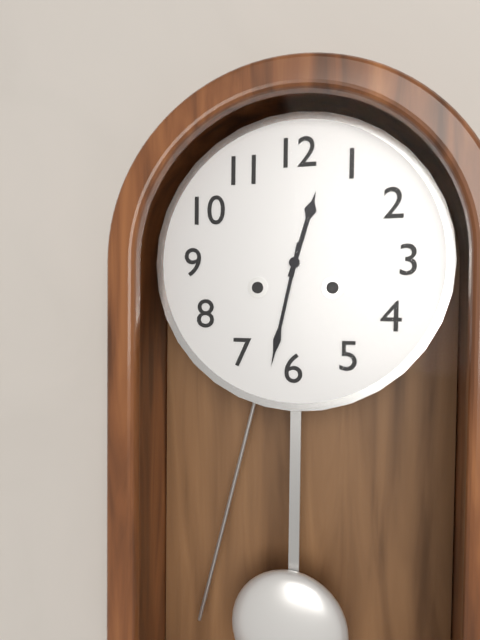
12:32
